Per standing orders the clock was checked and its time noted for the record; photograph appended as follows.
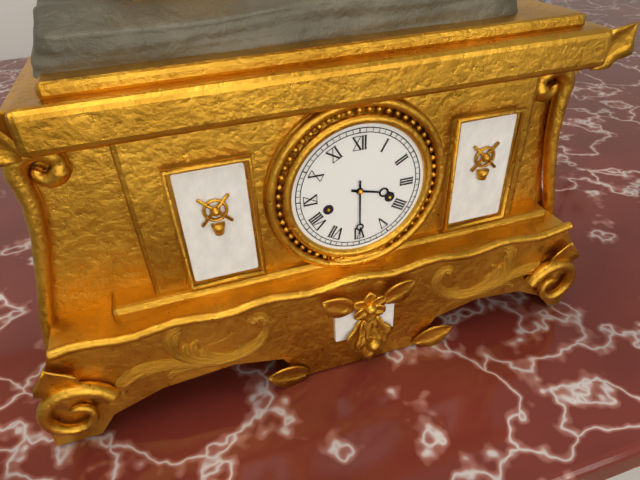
3:30
